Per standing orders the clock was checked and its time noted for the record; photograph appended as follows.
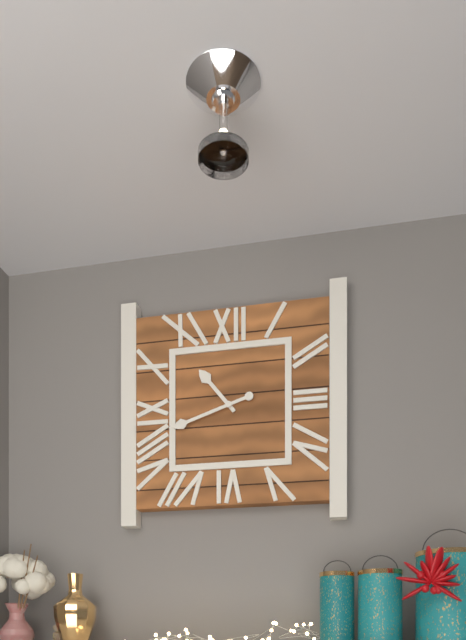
10:42
